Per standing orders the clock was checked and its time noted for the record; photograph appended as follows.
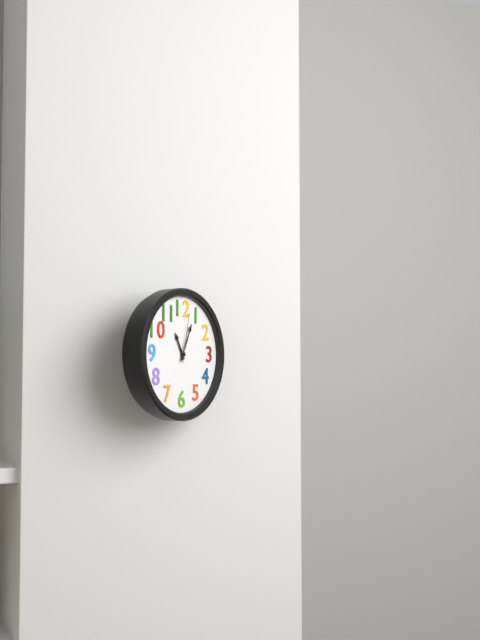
11:04:02
